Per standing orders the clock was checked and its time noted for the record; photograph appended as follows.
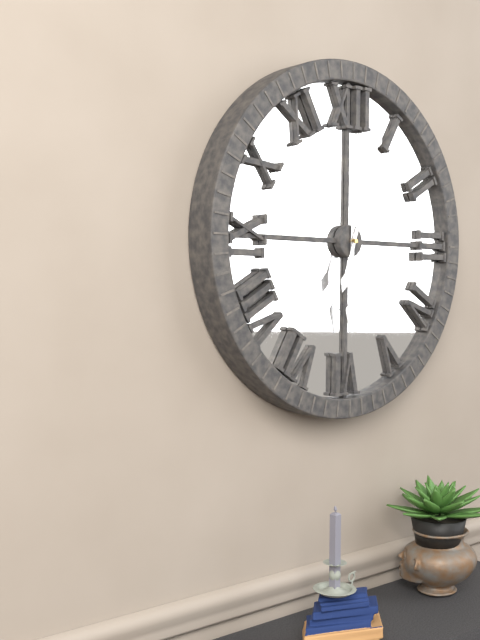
6:03
